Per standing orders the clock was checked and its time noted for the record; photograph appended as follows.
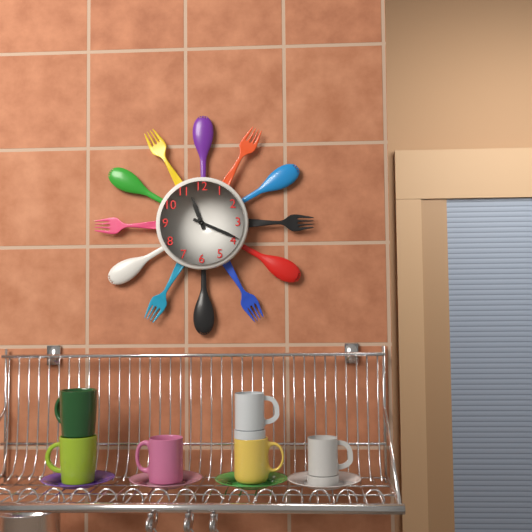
11:19
